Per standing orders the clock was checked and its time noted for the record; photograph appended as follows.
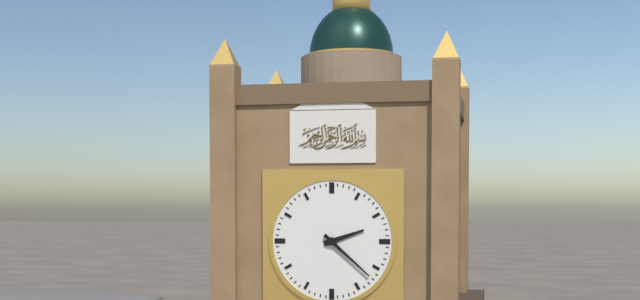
2:22
